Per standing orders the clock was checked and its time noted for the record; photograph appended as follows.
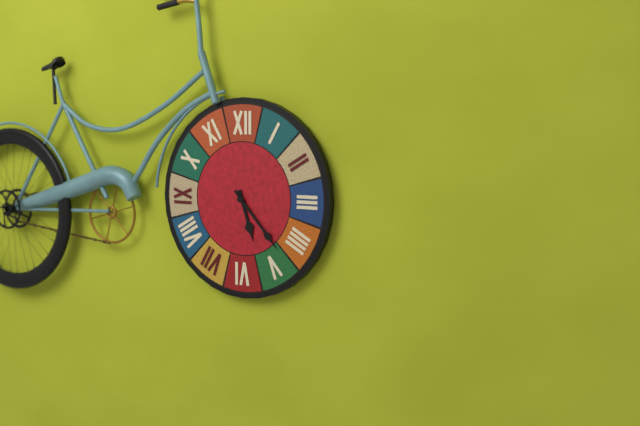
5:23
